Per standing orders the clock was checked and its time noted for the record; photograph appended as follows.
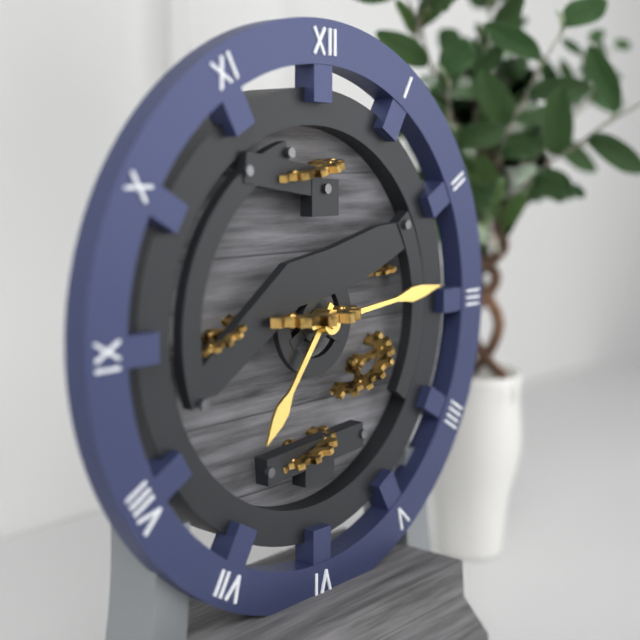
7:14
